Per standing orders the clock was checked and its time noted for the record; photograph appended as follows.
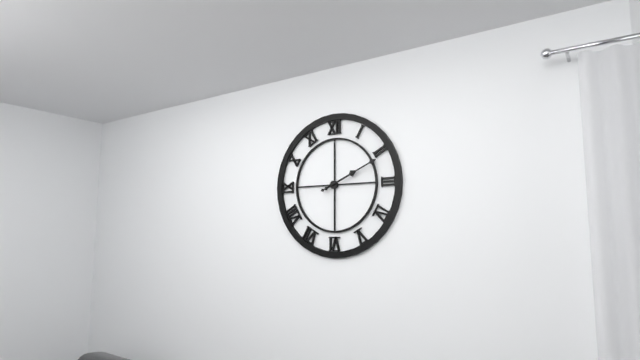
2:11
